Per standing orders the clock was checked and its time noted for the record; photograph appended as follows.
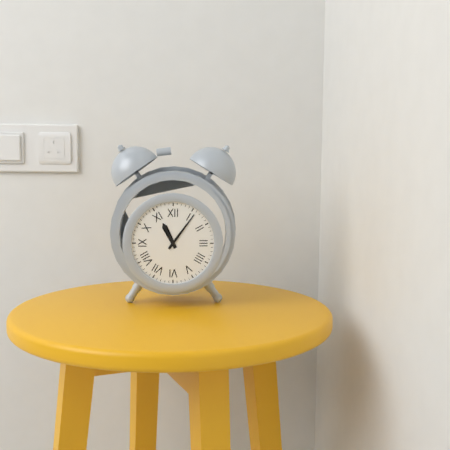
11:06
